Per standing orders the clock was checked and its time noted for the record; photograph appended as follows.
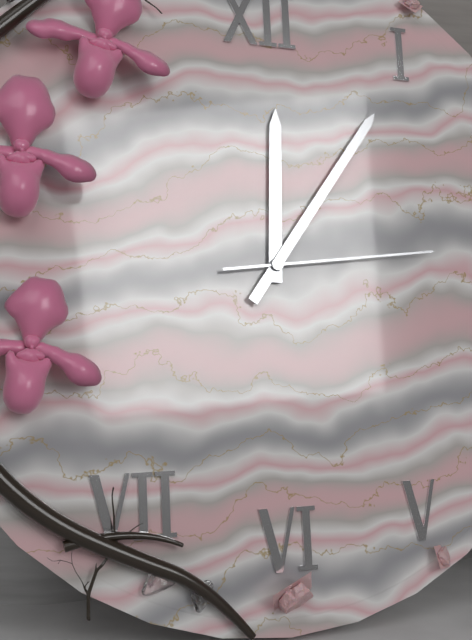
12:06:14
